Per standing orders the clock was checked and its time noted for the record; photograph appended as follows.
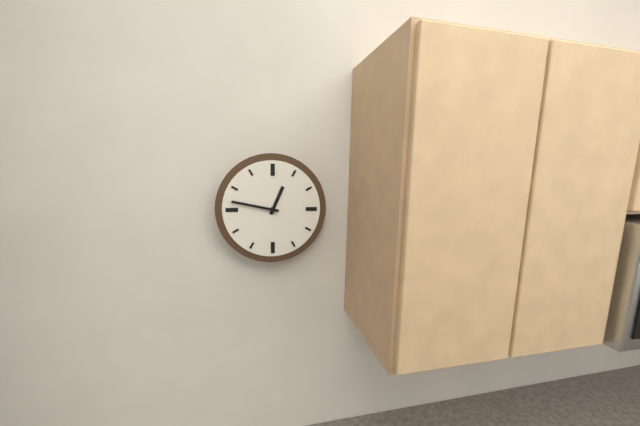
12:47
